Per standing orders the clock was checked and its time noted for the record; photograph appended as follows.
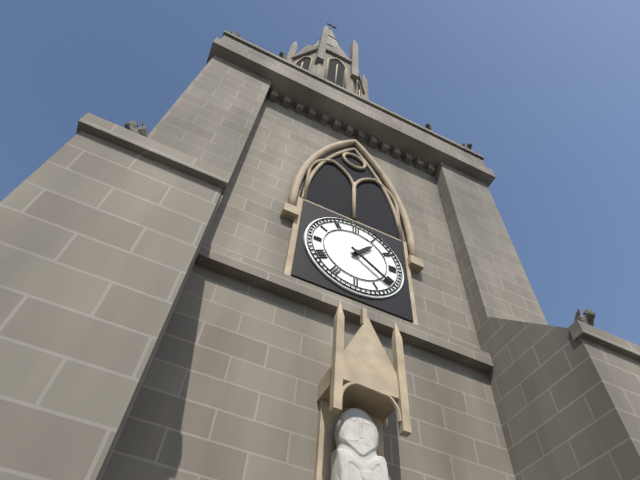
1:21
